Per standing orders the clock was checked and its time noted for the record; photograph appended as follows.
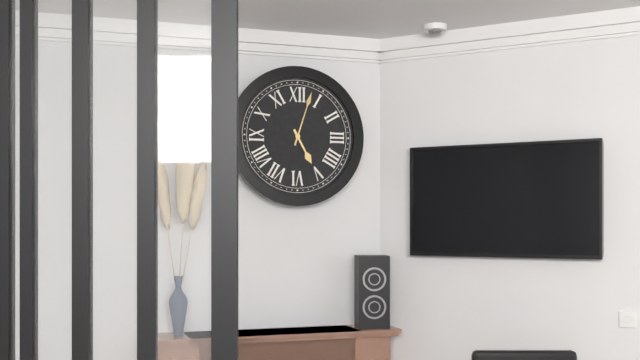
5:03
